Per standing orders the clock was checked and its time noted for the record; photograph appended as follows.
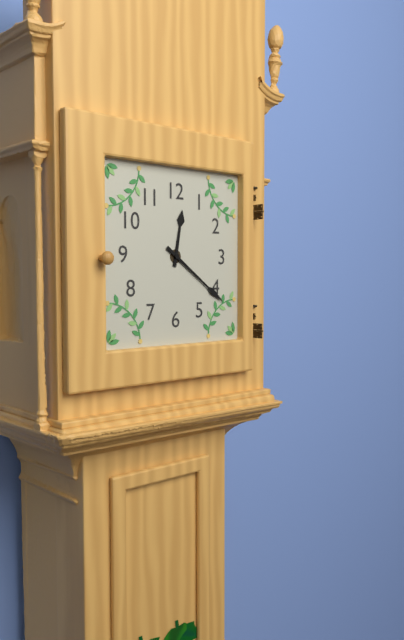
12:21
